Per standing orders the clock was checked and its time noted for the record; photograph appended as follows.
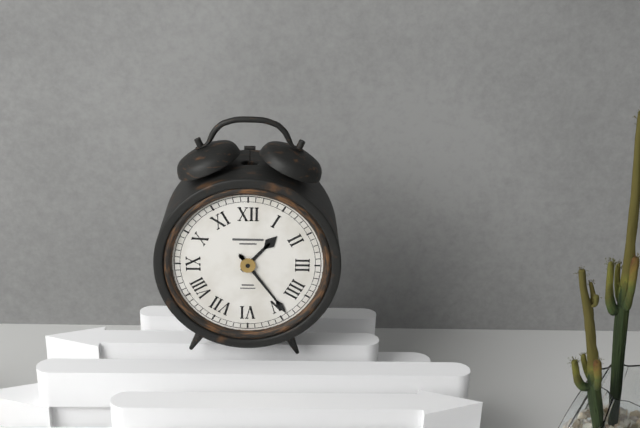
1:24
